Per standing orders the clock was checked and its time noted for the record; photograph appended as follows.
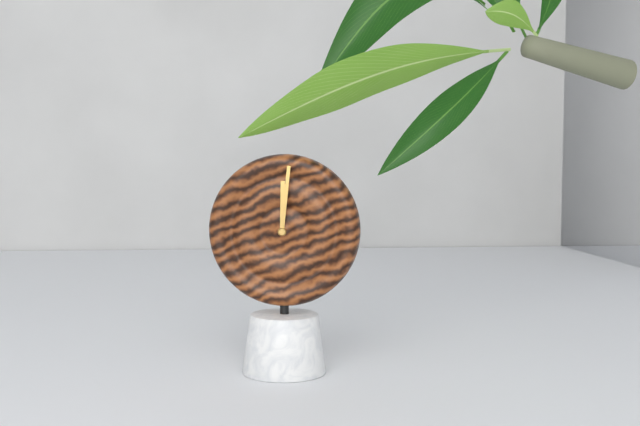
12:01
